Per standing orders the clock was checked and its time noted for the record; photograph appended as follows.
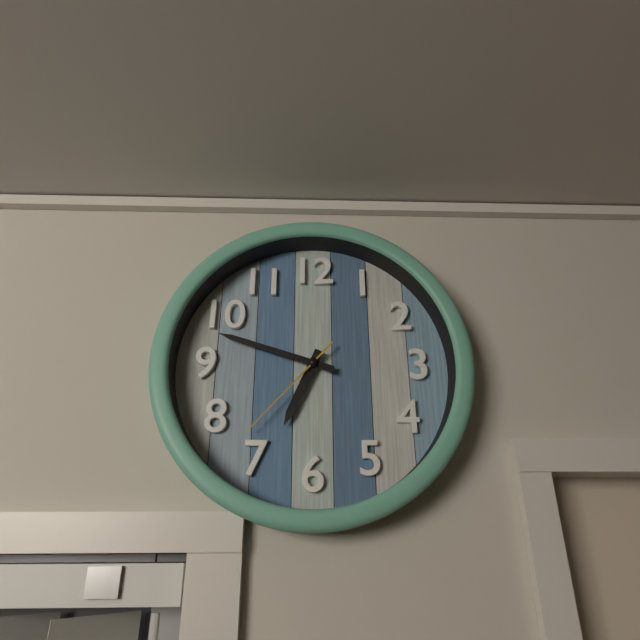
6:48:37
